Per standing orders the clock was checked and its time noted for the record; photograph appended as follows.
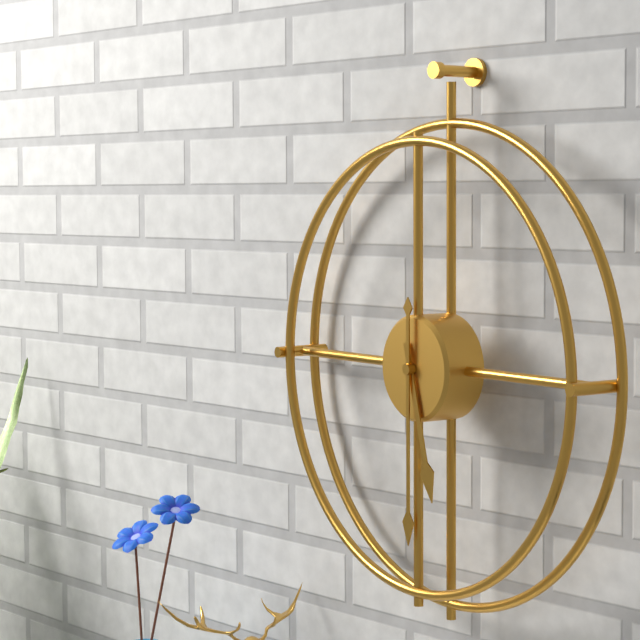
5:30
